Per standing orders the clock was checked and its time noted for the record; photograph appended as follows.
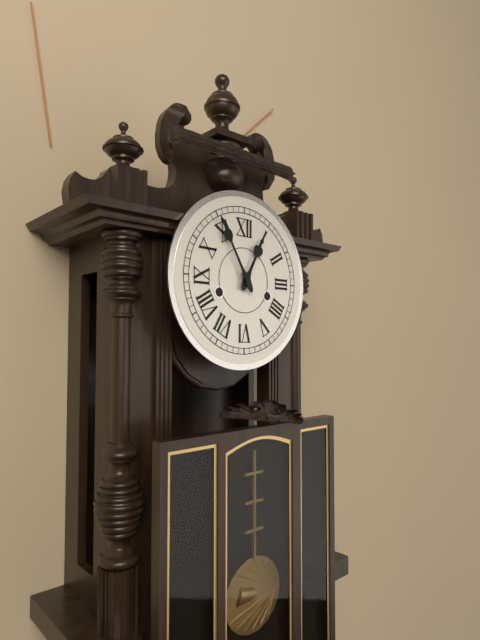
12:55
